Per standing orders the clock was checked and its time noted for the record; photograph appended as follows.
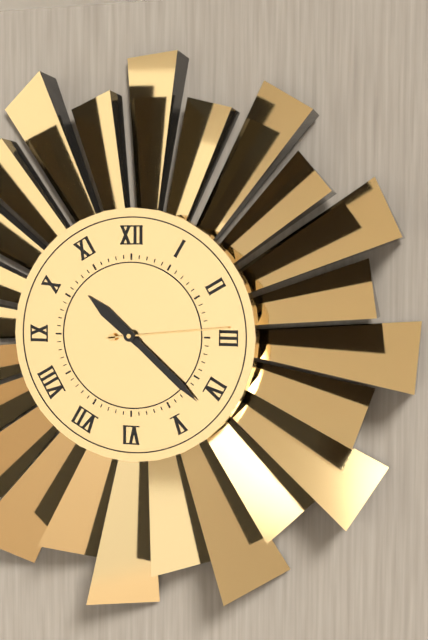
10:22:14
